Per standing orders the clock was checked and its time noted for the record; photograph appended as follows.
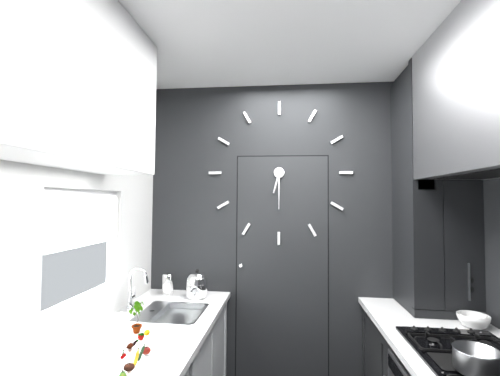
6:30
